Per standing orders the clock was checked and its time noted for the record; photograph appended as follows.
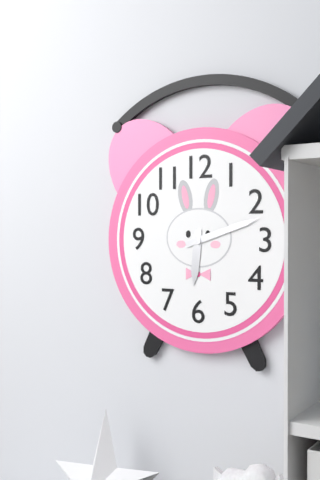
6:12
